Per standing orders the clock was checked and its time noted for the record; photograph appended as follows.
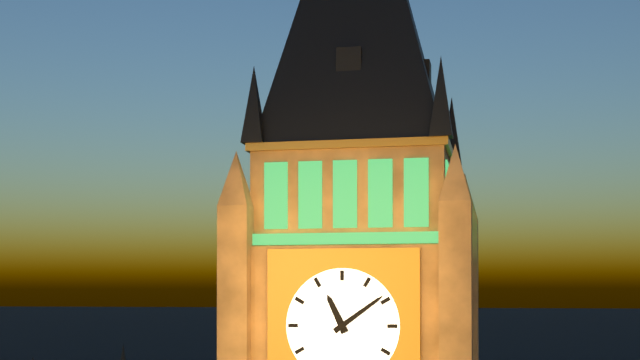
11:09
